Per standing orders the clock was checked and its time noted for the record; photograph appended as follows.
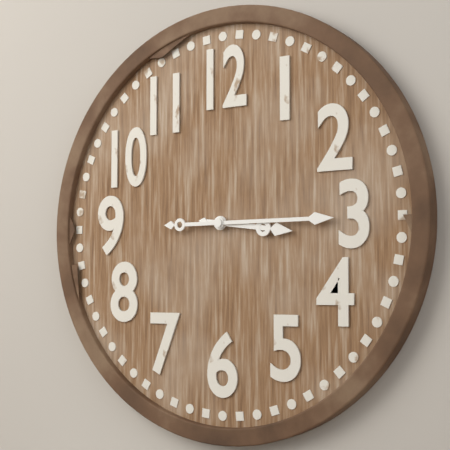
3:15
